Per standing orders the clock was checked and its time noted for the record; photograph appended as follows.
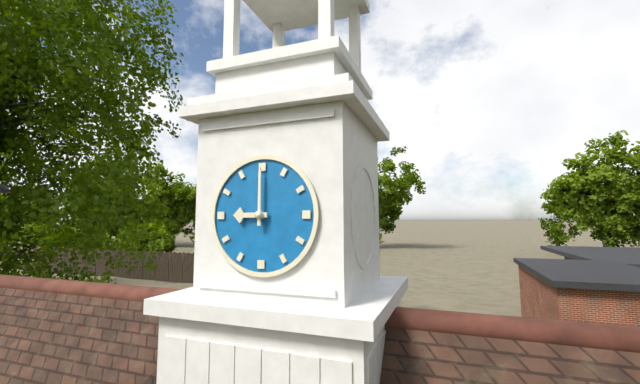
9:00
